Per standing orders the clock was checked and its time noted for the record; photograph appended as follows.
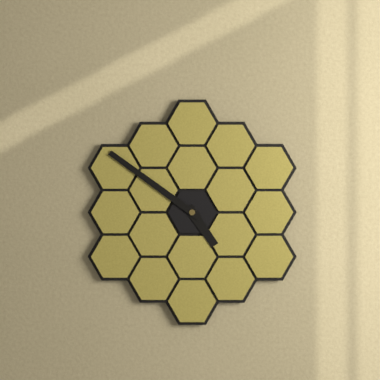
4:51
